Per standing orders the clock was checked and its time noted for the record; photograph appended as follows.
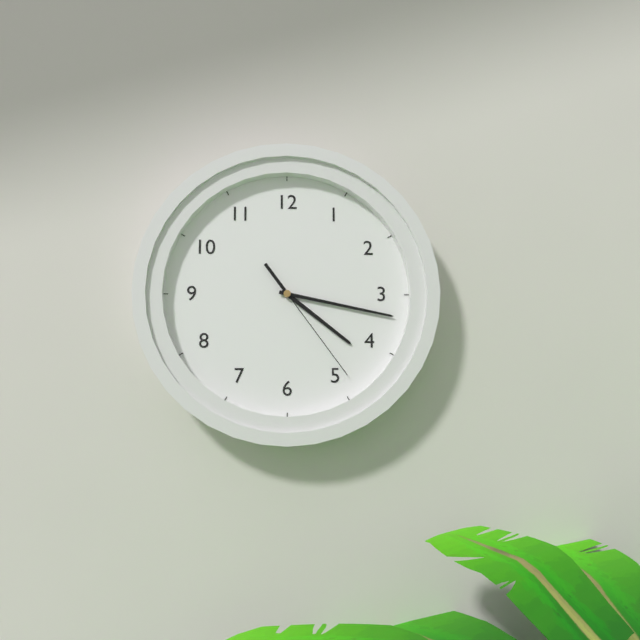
4:17:24
